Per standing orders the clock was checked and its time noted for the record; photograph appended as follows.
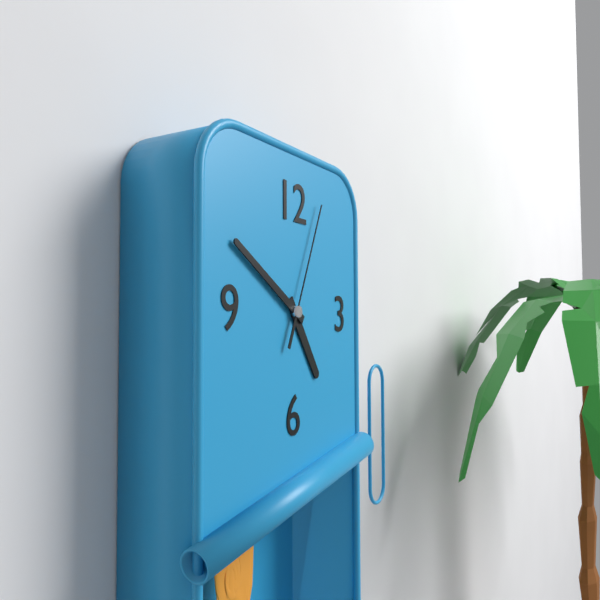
4:50:04
